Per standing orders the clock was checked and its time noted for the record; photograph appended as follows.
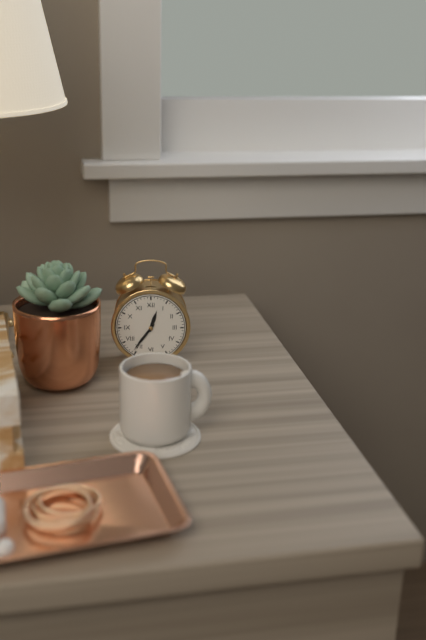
12:36
